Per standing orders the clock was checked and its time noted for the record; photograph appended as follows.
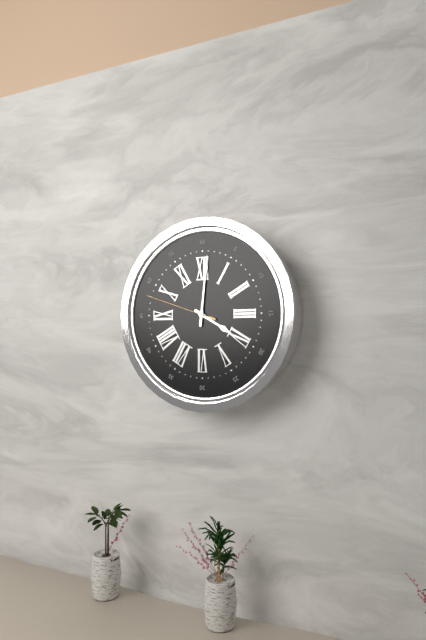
4:01:48
